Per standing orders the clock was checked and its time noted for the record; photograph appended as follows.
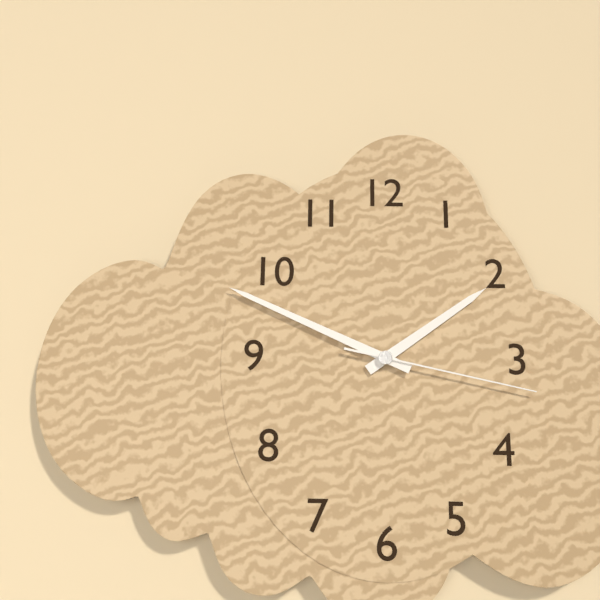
1:49:17
